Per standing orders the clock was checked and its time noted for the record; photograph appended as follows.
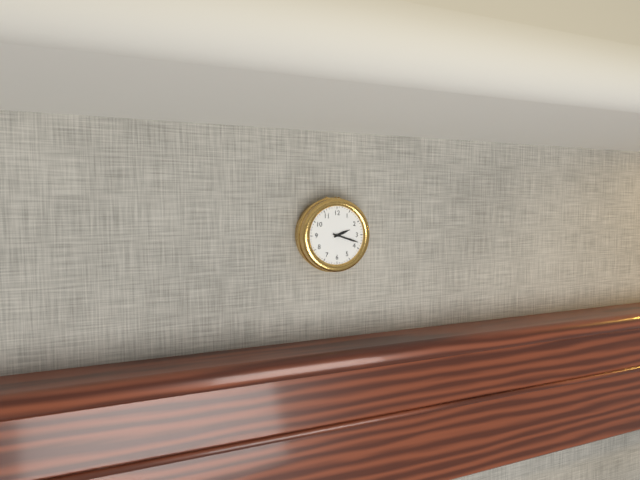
2:18
